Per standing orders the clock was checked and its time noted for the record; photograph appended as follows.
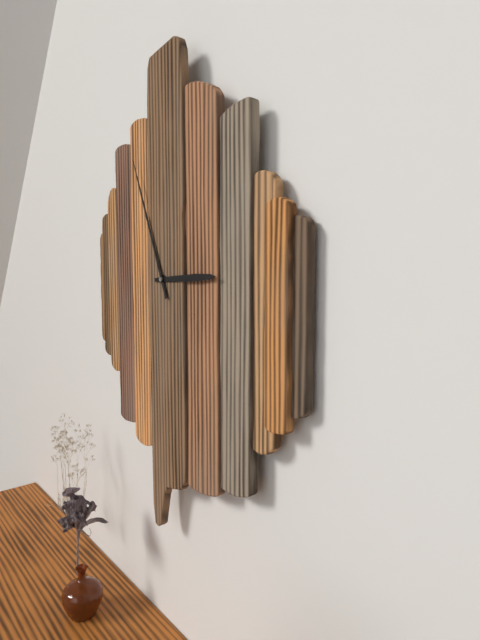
2:56
